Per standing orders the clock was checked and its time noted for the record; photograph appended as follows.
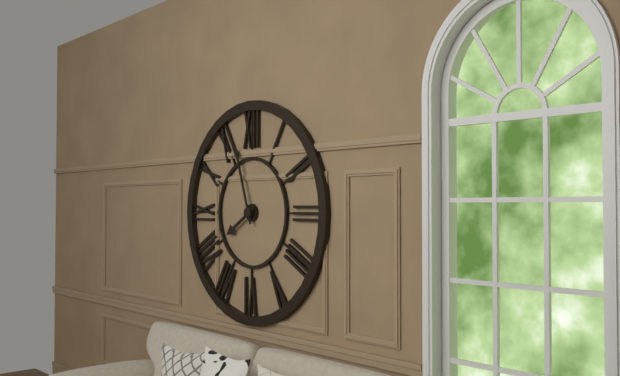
7:57
